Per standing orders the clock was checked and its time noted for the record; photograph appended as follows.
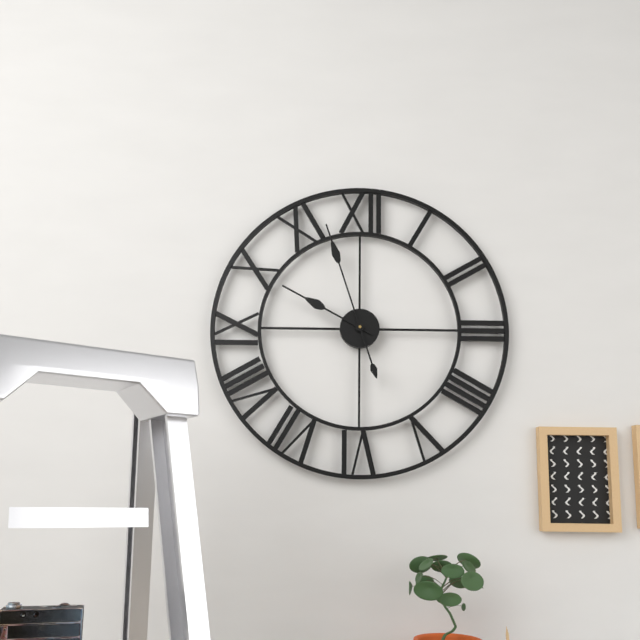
9:57
